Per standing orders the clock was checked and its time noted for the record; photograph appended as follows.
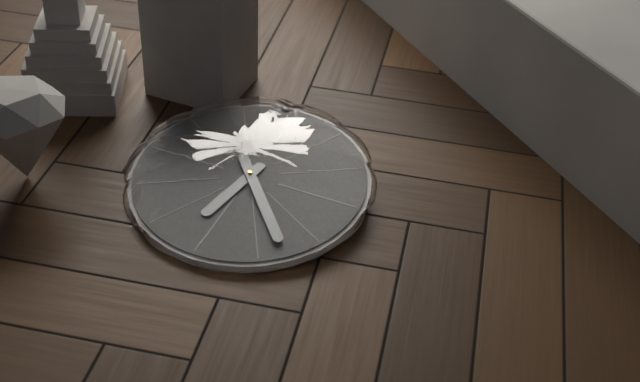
6:23
